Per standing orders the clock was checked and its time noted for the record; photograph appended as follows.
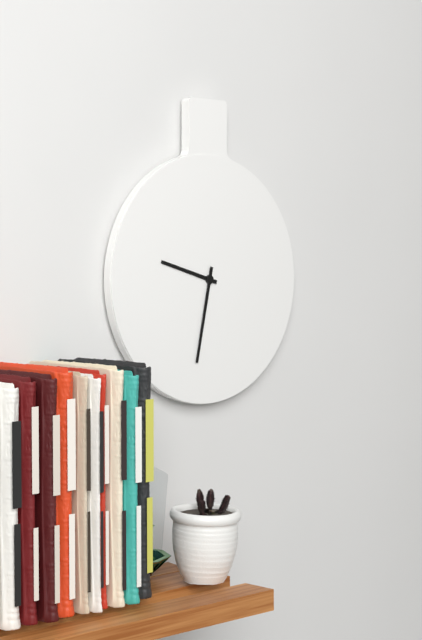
9:32
